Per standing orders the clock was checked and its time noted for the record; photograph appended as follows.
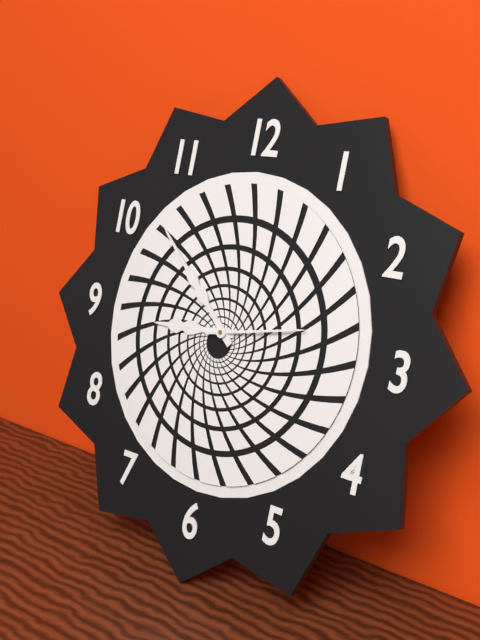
8:52:13
